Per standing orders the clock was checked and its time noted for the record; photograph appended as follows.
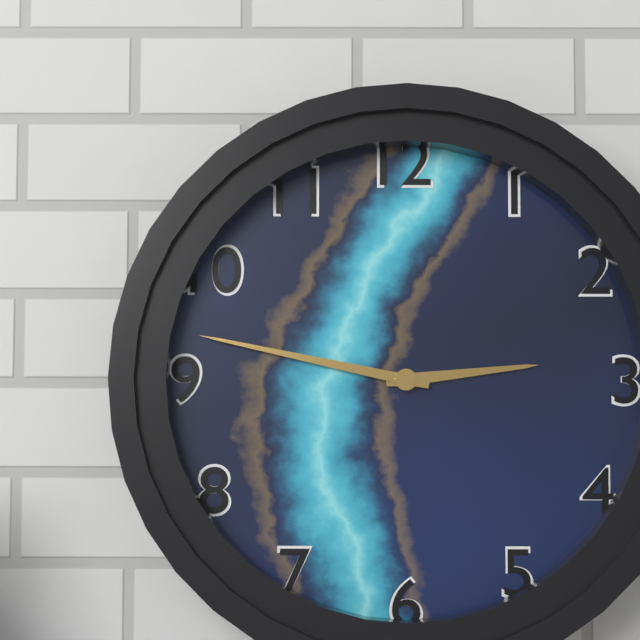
2:47
